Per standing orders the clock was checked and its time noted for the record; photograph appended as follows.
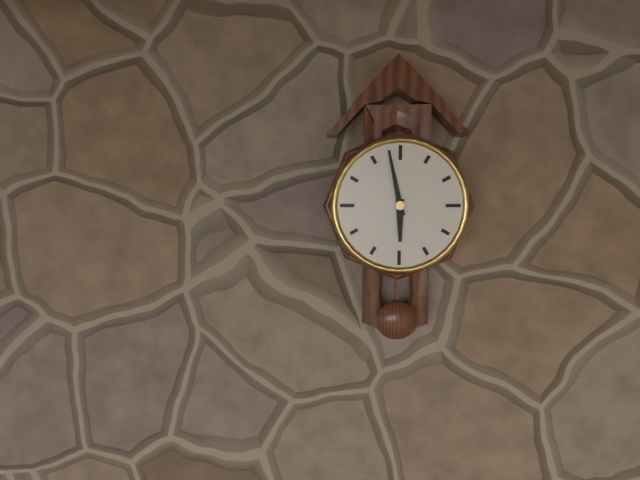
5:58
